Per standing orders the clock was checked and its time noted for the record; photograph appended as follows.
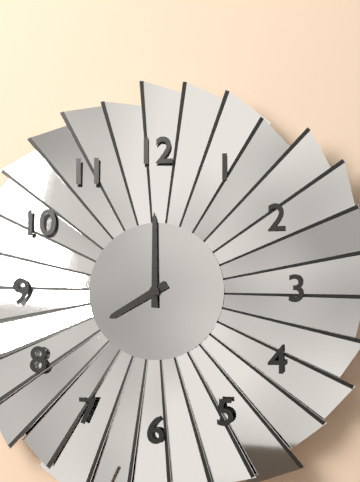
8:00
